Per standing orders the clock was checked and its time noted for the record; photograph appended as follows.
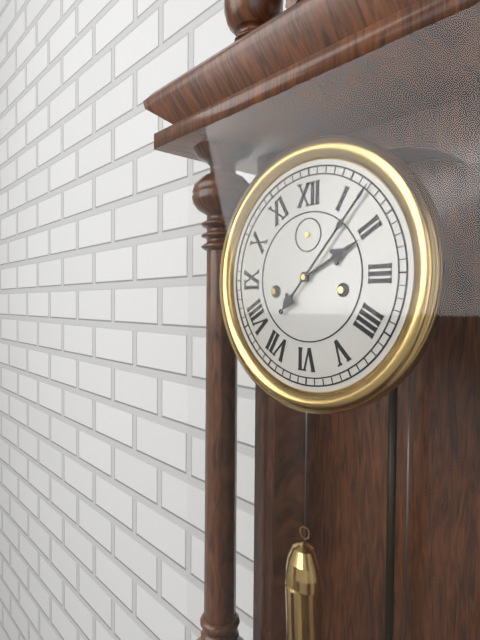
2:07
